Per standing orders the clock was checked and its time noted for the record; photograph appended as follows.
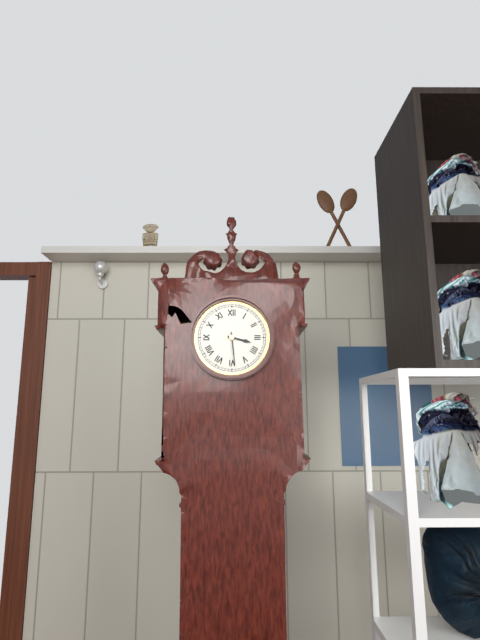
3:29
